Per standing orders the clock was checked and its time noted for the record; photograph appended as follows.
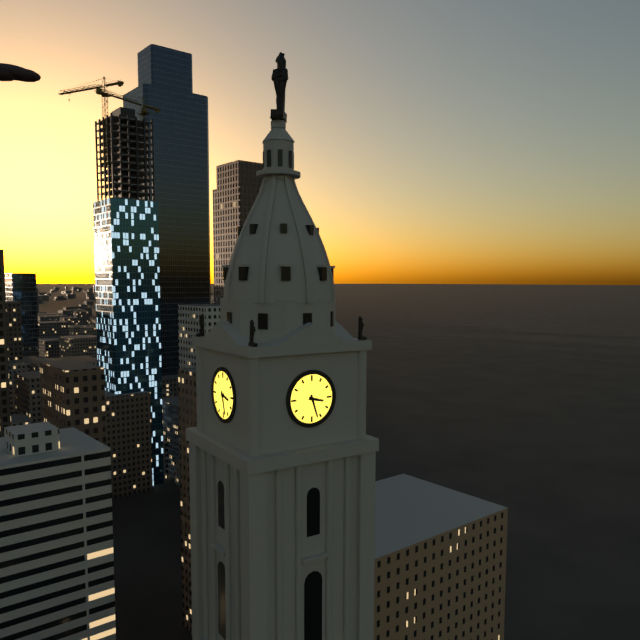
3:27
